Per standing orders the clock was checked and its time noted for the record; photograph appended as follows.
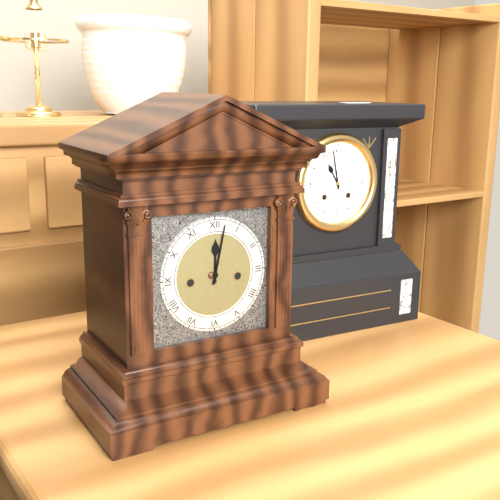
12:02
